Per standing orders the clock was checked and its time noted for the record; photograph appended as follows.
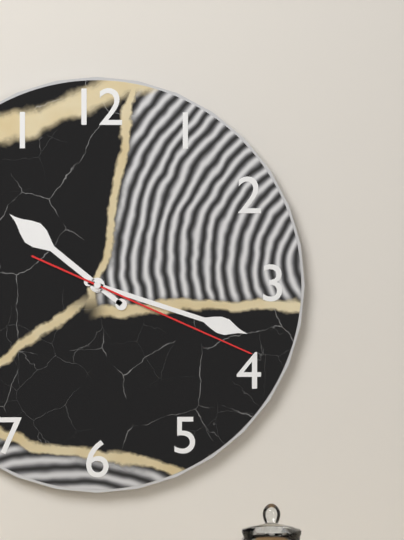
10:18:19
